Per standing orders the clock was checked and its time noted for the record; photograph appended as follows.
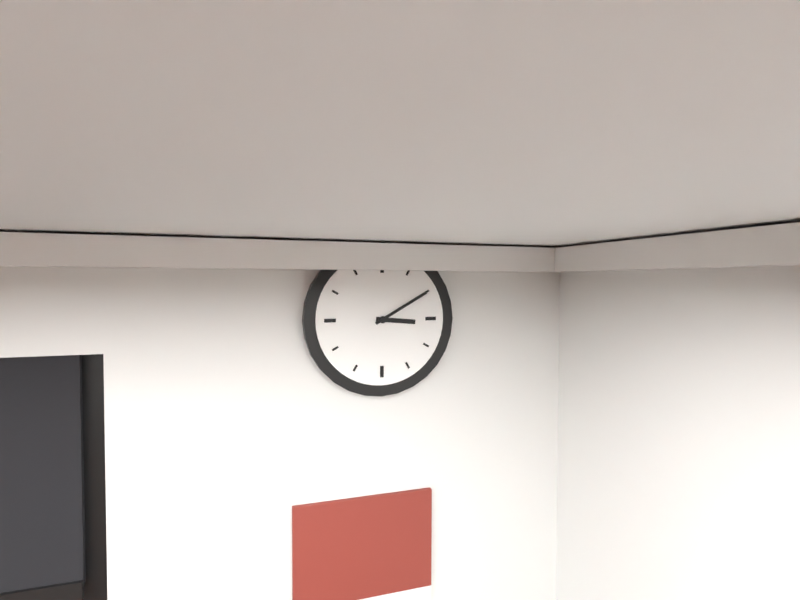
3:10
